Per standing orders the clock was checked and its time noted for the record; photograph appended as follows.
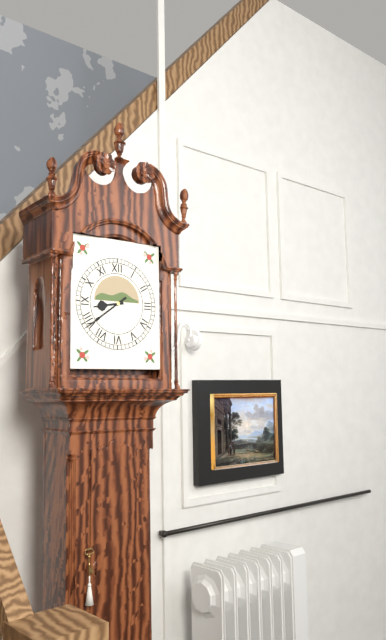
8:39
